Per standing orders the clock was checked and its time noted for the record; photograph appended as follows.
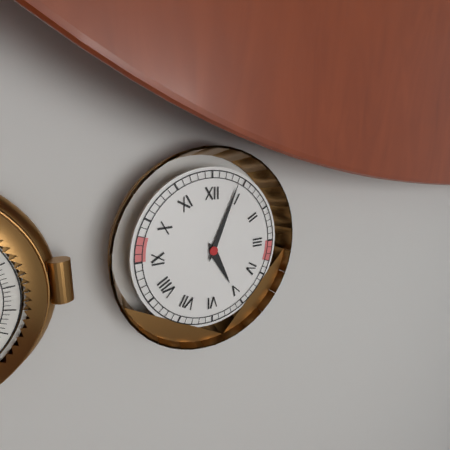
5:04
